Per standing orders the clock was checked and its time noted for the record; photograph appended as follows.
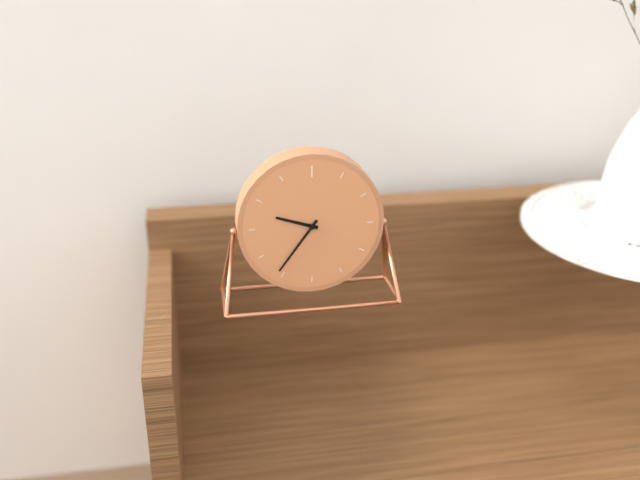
9:36
